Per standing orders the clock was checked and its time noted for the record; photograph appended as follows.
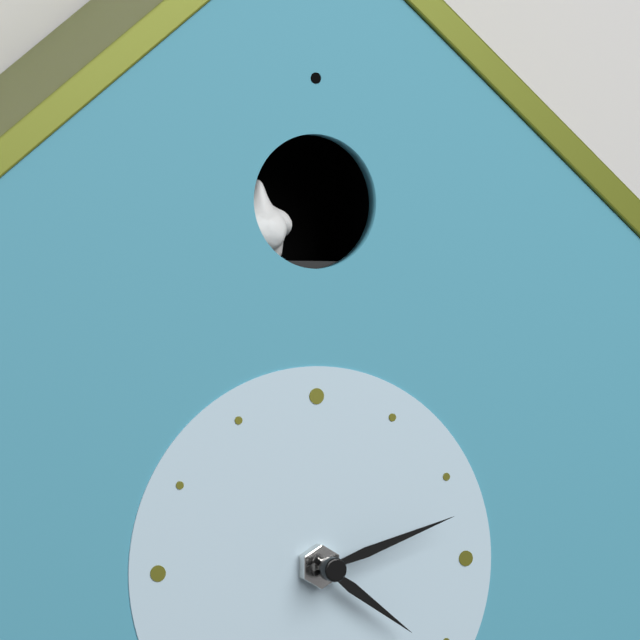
4:12
